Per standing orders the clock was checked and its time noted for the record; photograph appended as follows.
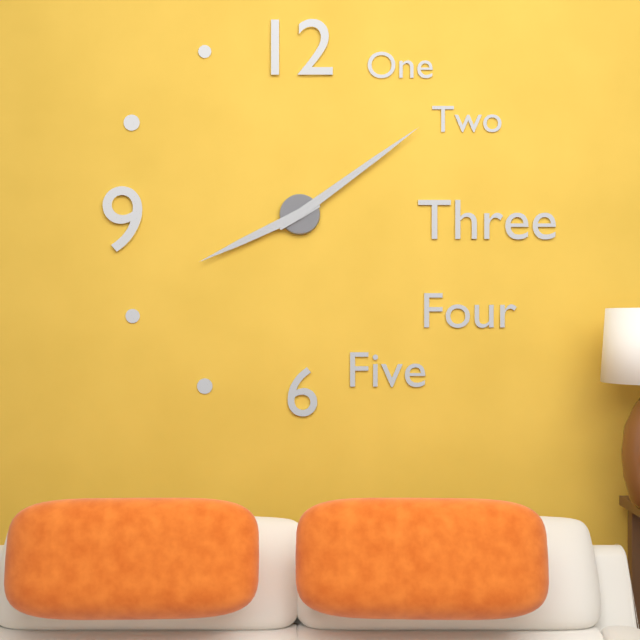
8:09
